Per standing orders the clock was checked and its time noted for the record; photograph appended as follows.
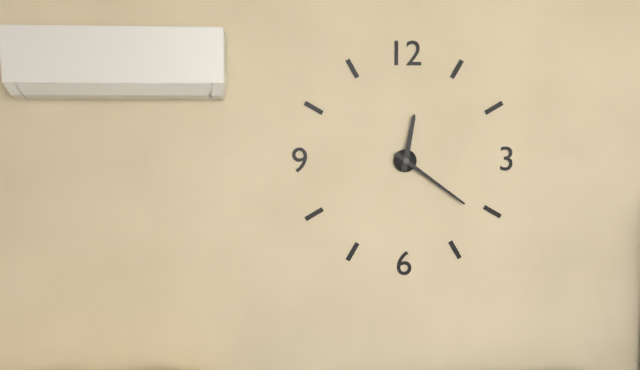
12:21
